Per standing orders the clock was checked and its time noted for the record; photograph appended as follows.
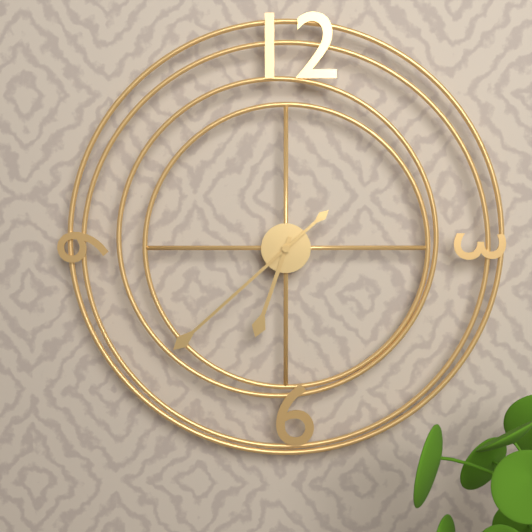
6:38
